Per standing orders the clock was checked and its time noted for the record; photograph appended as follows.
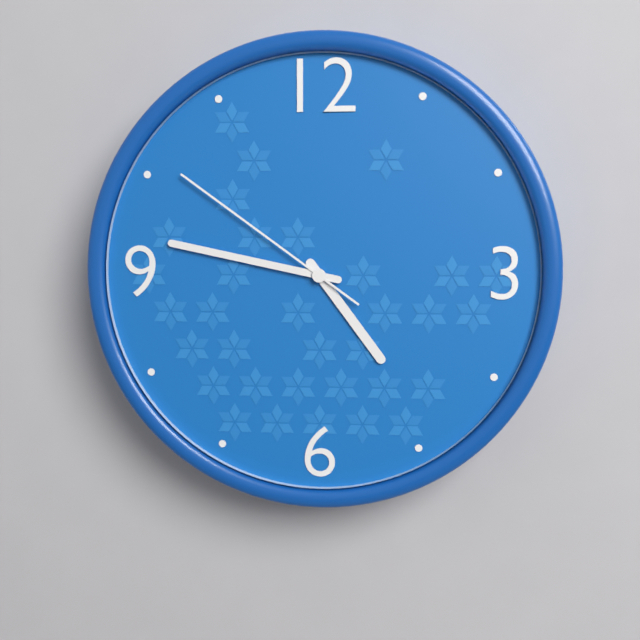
4:47:51
